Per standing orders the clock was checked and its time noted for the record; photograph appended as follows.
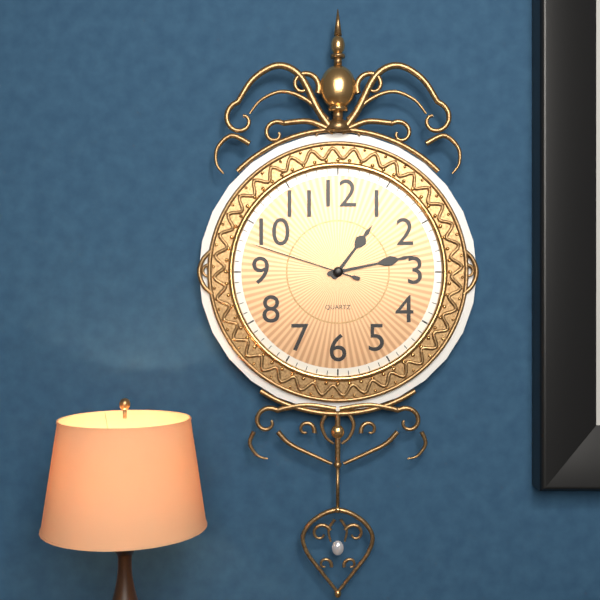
1:13:48
